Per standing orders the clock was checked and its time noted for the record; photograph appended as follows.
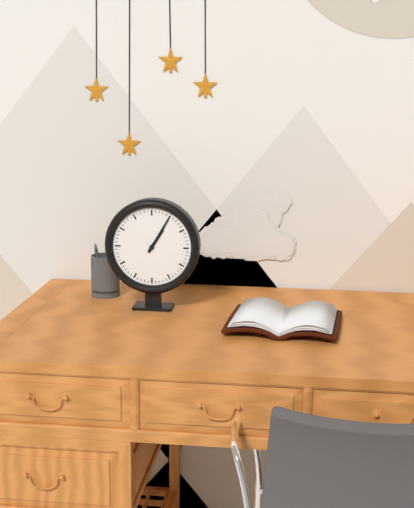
1:05
